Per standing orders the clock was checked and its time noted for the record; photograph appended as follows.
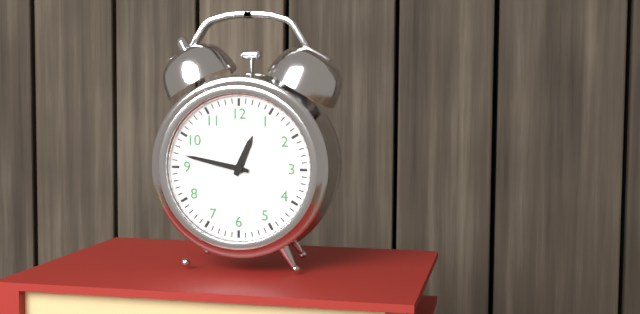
12:47
